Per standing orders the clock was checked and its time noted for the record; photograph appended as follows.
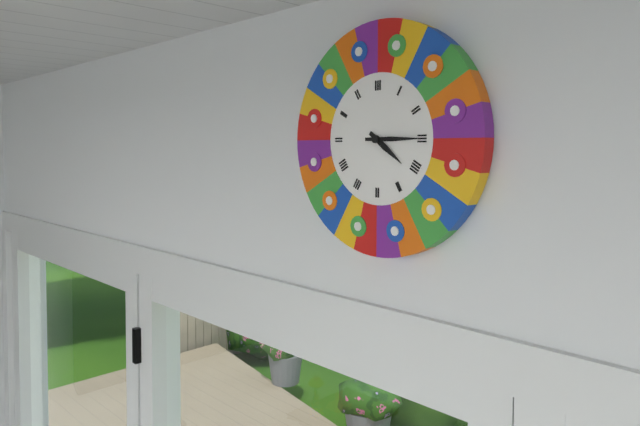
4:15
